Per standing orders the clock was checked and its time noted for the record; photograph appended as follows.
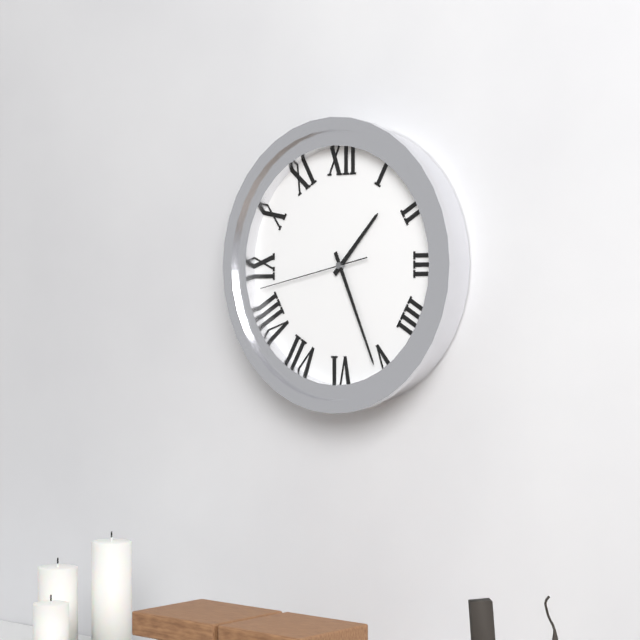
1:26:43
